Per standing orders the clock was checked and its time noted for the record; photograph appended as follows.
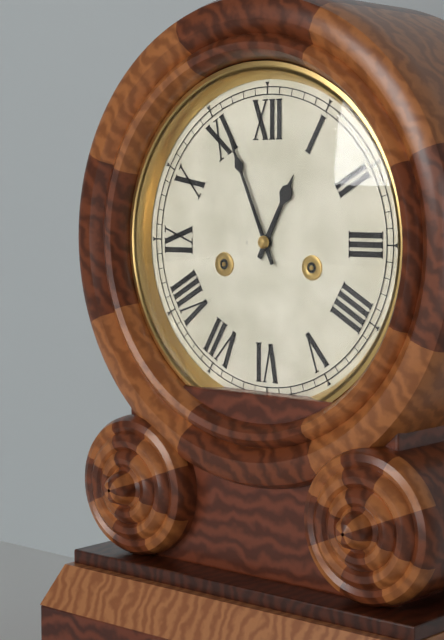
12:56
